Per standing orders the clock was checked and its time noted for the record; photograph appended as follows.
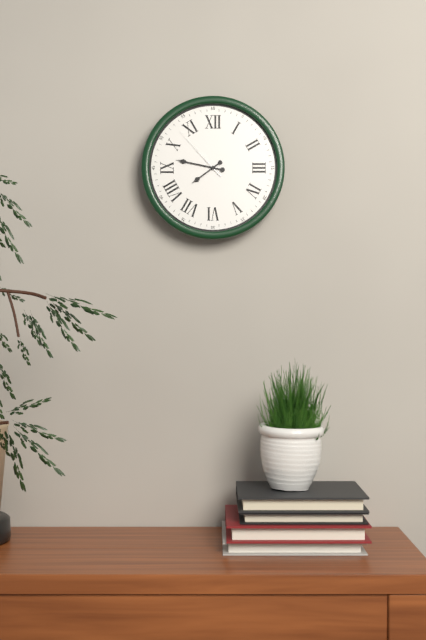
7:47:53
